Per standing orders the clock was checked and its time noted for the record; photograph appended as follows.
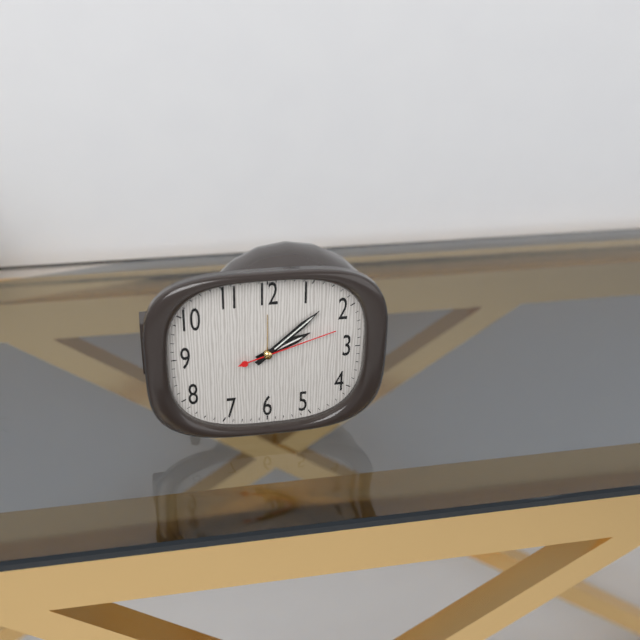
2:08:12
